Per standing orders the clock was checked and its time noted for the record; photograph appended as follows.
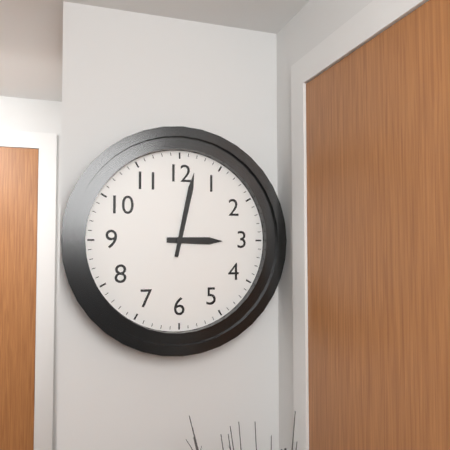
3:02
